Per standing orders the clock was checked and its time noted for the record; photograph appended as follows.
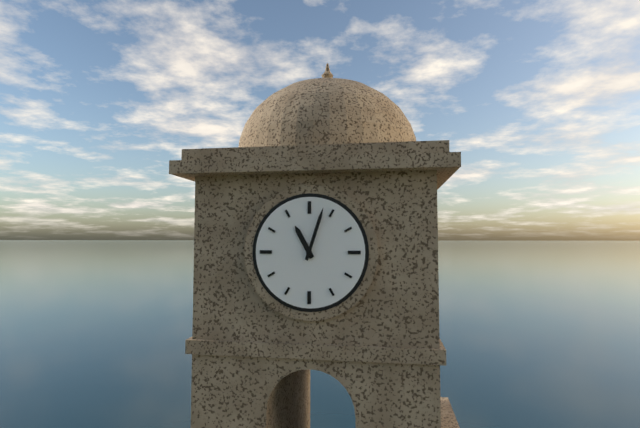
11:03
